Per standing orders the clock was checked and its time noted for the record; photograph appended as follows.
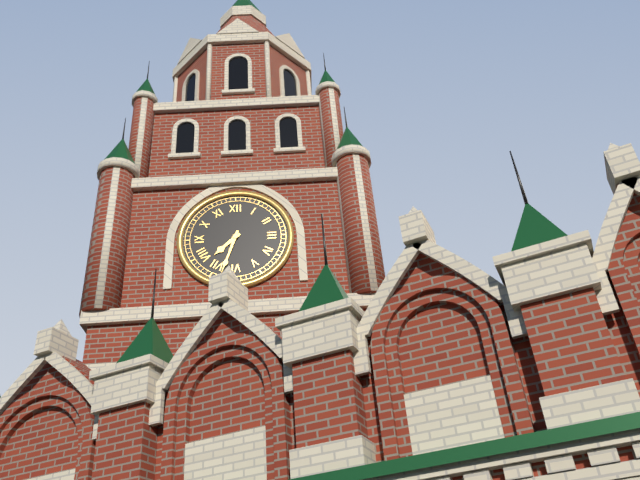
7:33
